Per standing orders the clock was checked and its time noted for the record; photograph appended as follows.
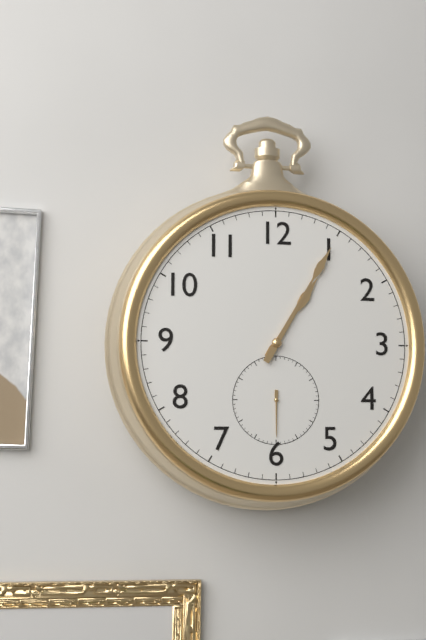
1:05
